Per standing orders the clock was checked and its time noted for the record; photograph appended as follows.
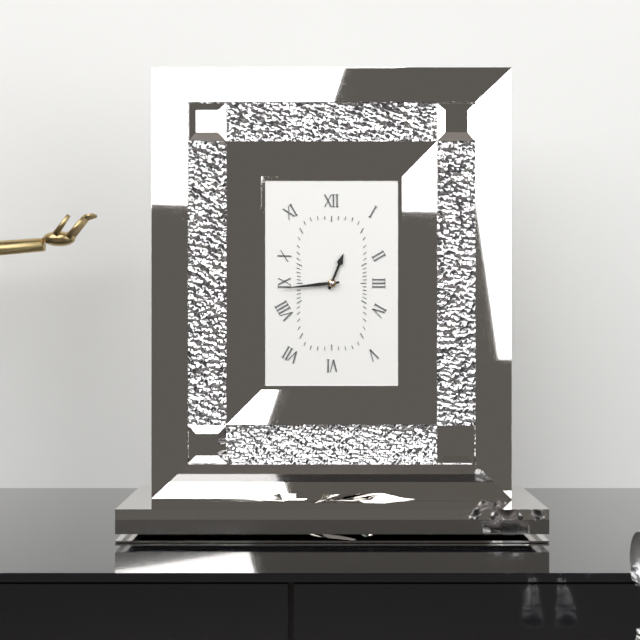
12:44
